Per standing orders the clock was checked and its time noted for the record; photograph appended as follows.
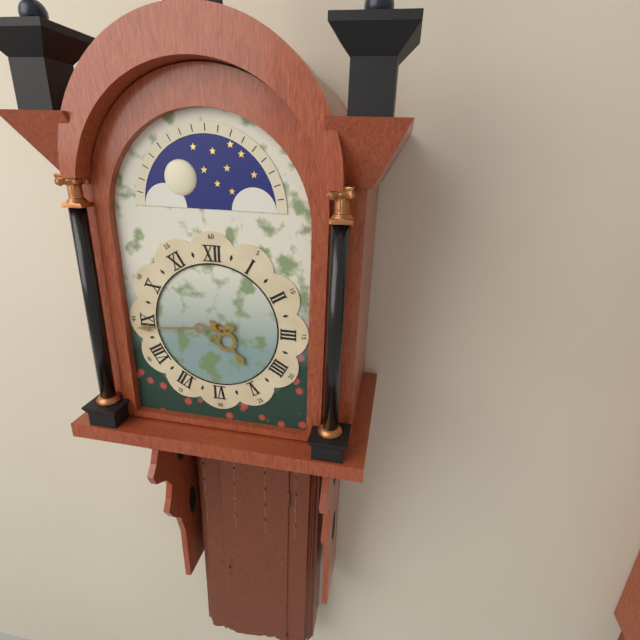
4:44
